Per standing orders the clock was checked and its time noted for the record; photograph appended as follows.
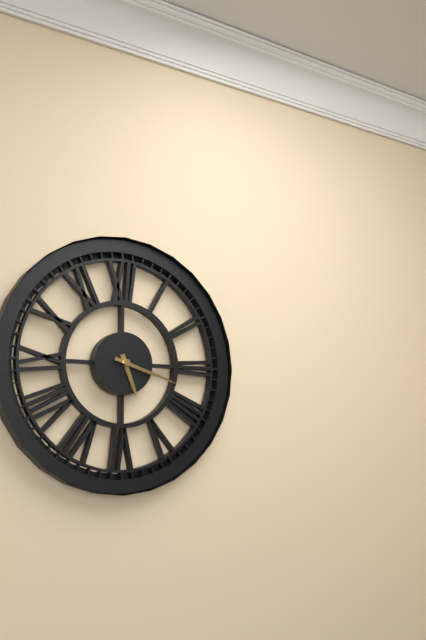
5:18
